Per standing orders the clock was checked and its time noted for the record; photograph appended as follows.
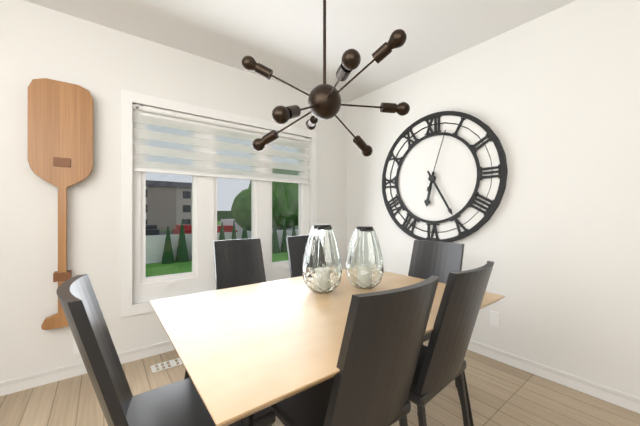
6:25:03
